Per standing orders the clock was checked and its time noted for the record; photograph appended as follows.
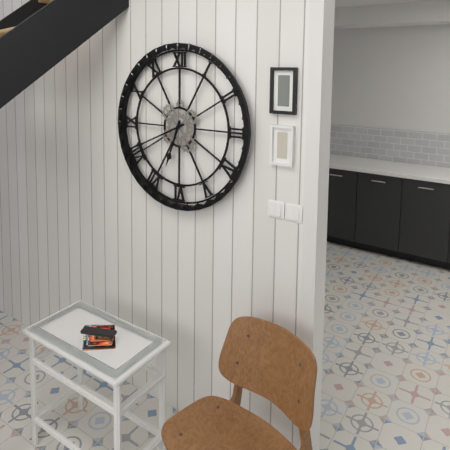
6:41
